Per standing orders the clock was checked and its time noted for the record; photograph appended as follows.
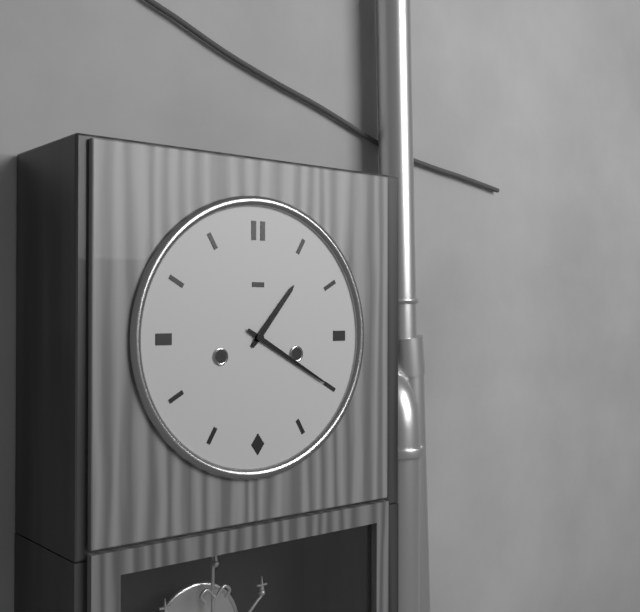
1:20
